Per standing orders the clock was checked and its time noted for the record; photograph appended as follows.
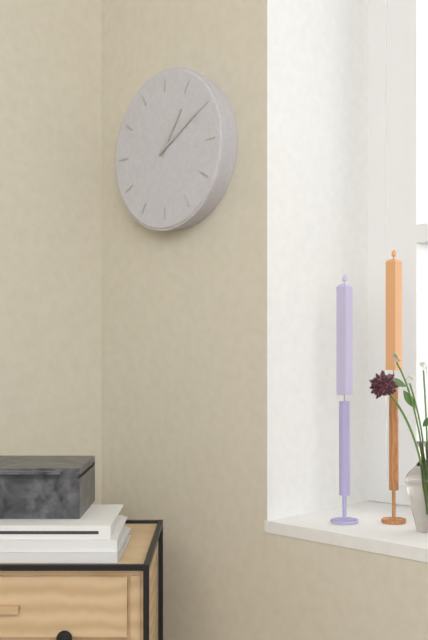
1:10
